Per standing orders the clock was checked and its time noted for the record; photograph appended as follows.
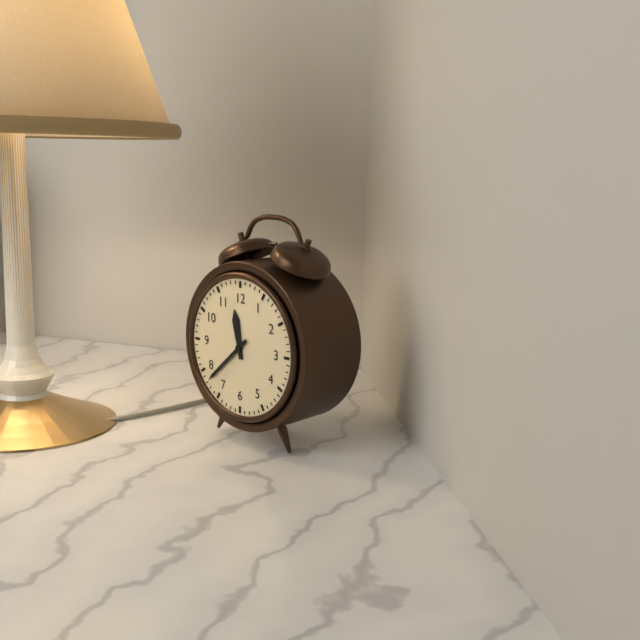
11:38
